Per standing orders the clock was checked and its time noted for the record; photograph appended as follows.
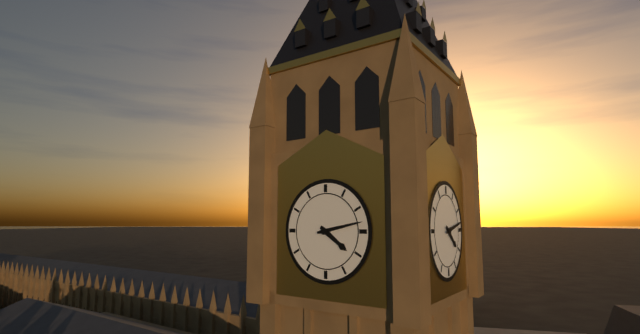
4:13
